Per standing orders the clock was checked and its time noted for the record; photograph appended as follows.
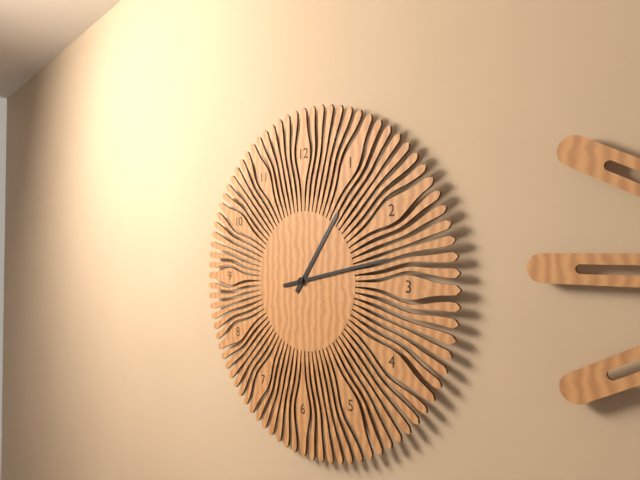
1:13
